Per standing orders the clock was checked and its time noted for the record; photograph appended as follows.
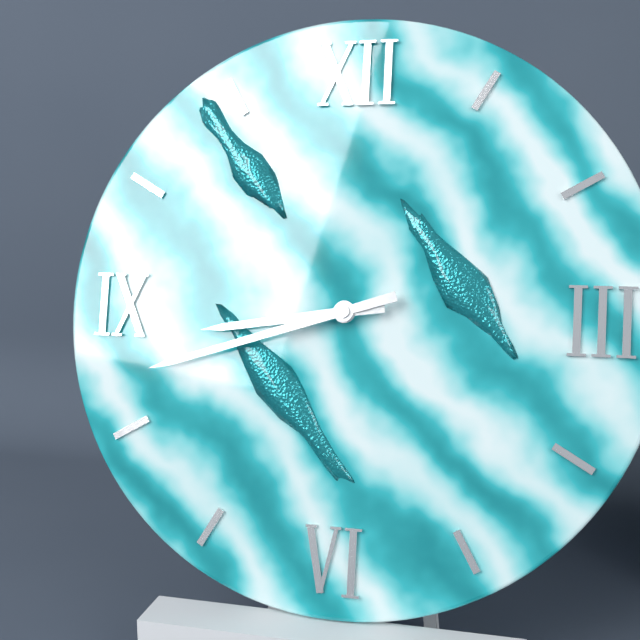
8:42
